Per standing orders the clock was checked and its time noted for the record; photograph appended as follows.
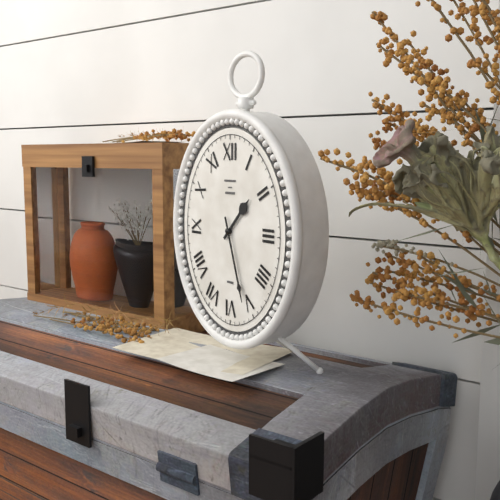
1:27
